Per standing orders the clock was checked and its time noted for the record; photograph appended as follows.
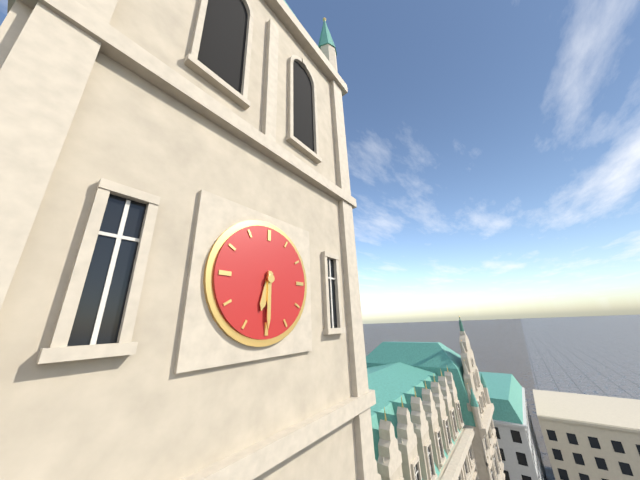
6:30
